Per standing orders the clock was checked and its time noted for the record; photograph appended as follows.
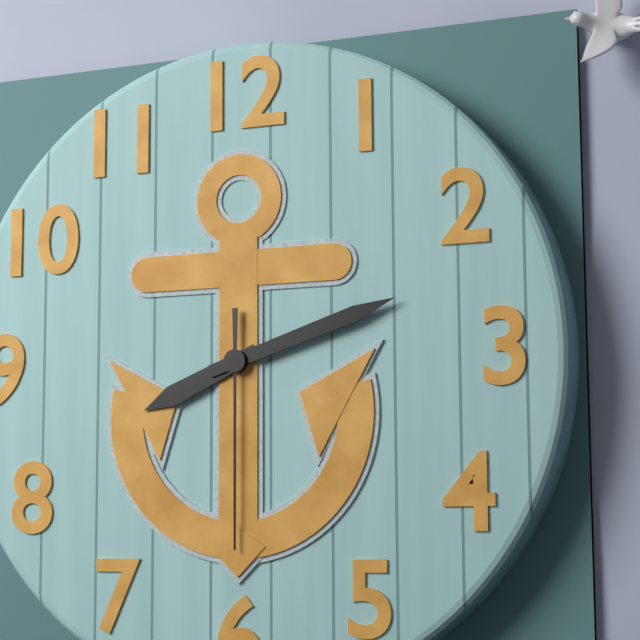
8:12:30
